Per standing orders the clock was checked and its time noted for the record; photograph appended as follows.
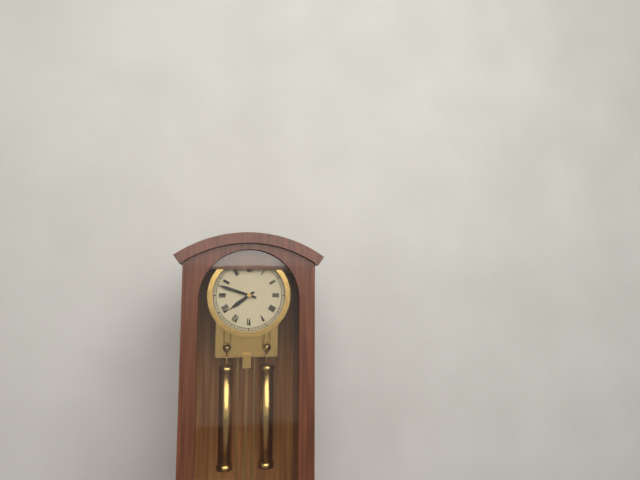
7:48
